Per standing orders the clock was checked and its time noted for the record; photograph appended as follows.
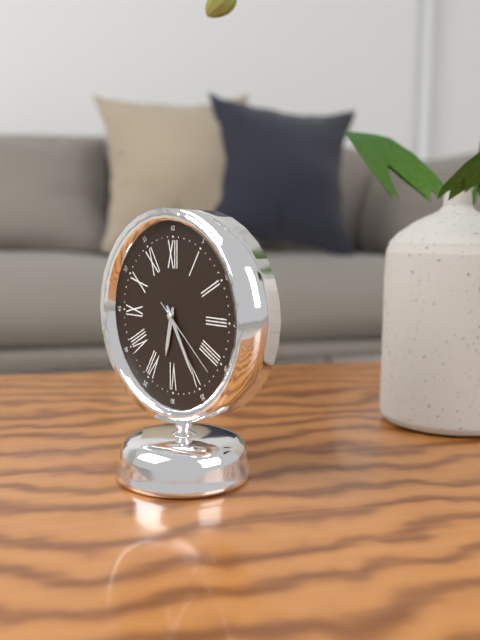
6:25:22
